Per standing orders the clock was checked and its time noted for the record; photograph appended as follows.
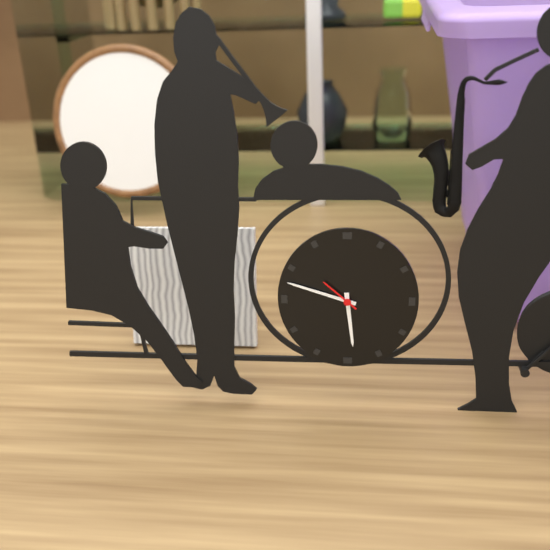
5:48
